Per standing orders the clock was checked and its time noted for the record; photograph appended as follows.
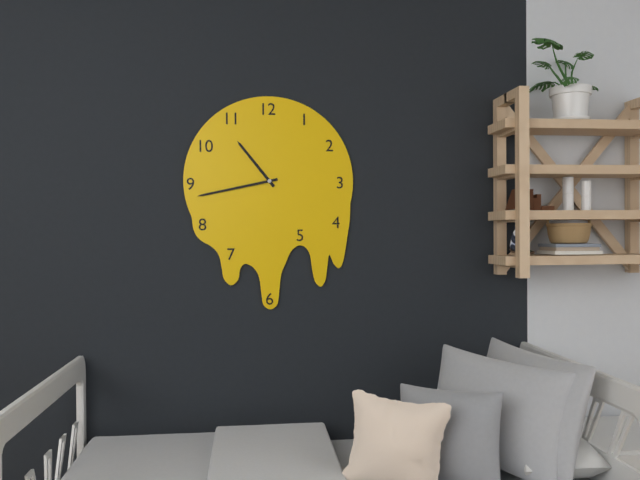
10:43
